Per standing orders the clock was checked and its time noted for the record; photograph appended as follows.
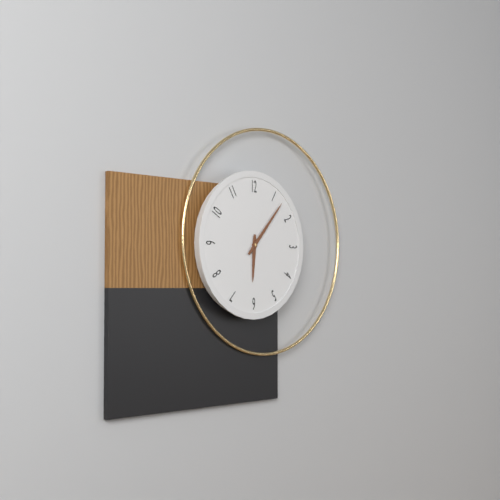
6:07
